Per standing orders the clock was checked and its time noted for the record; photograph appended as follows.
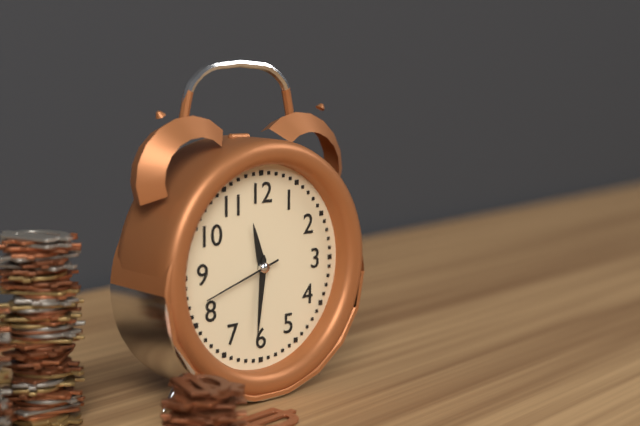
11:31:42
